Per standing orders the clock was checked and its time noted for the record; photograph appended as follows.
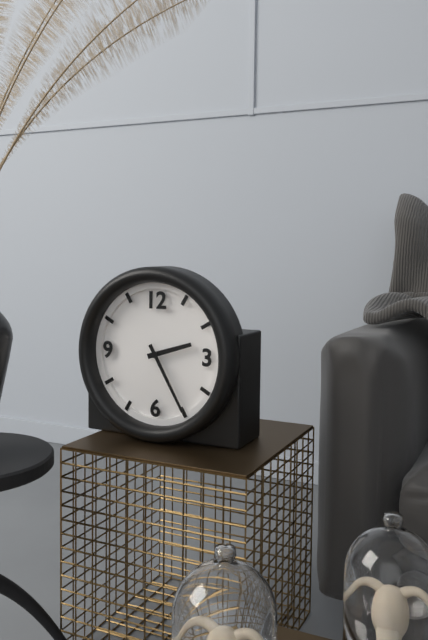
2:25
